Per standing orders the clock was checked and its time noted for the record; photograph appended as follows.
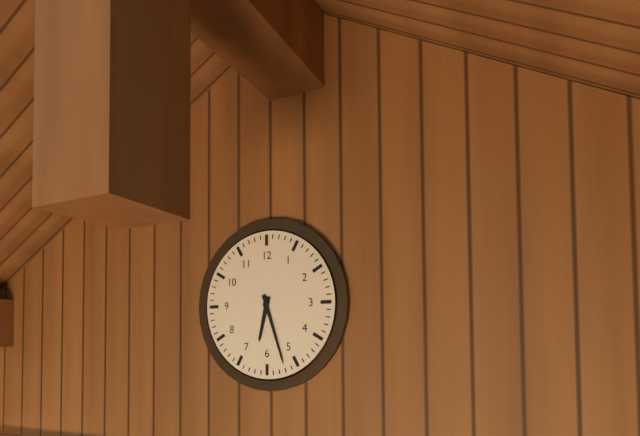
6:27
